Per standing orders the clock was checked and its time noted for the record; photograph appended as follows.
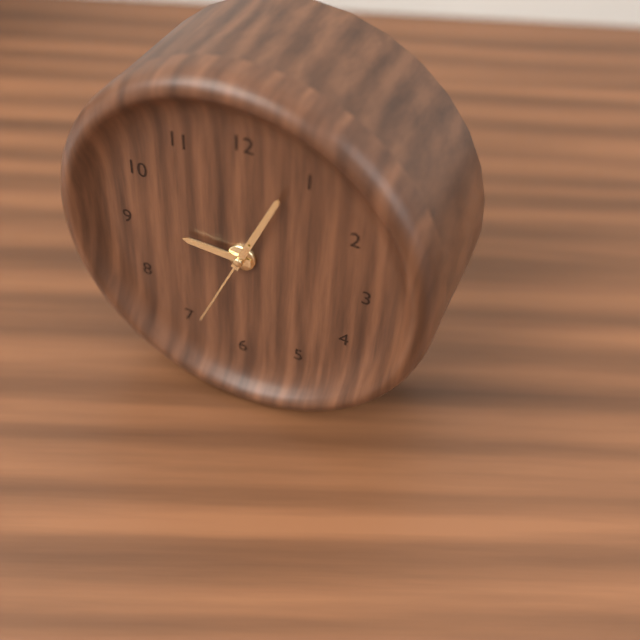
9:04:34
